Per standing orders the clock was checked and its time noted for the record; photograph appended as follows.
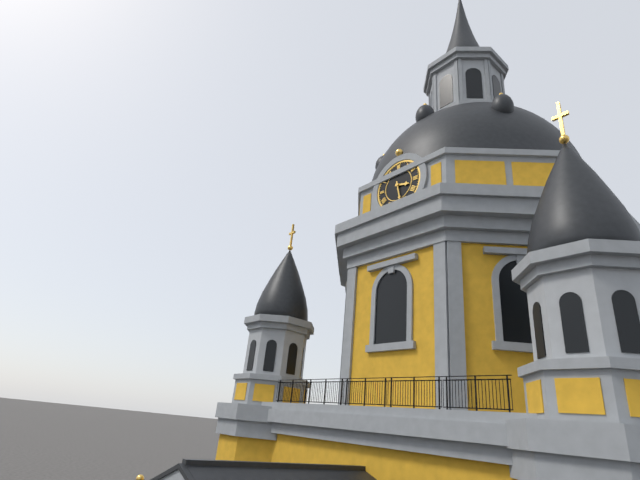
3:28
